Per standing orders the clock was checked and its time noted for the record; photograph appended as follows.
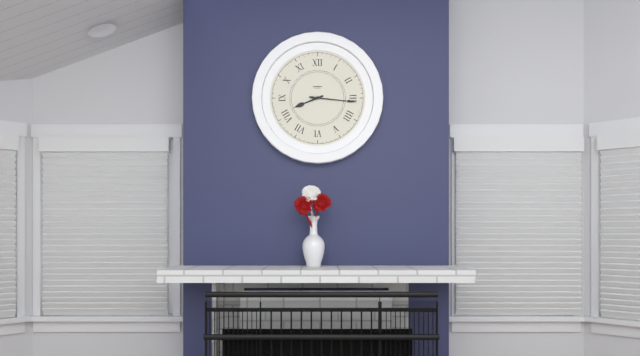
8:16
